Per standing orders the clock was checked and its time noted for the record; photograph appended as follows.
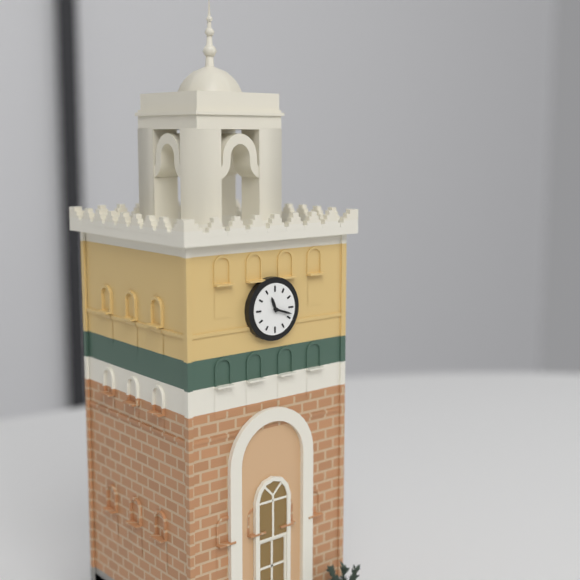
11:18
